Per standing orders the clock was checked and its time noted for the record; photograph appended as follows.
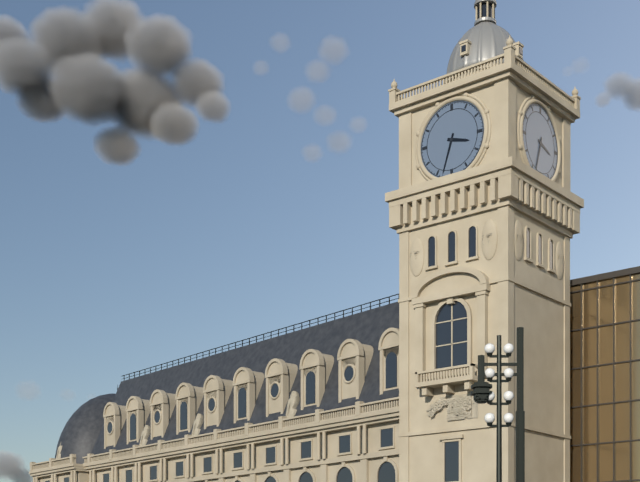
3:33
